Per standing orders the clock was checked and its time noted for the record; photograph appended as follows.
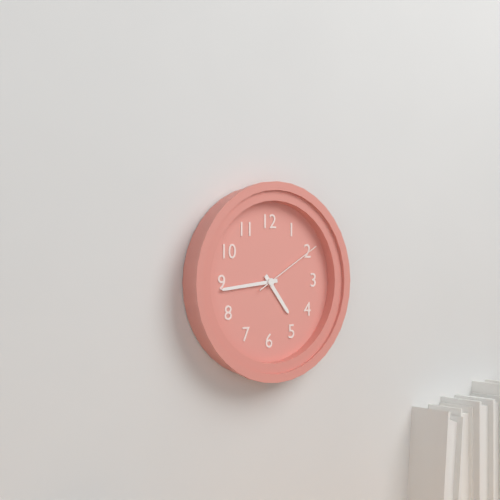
4:44:10
